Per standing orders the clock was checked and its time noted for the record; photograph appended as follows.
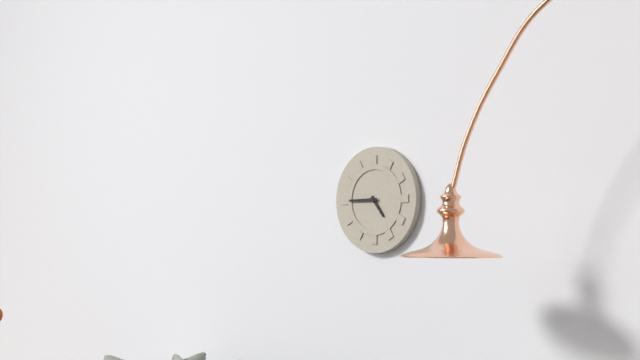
4:45
